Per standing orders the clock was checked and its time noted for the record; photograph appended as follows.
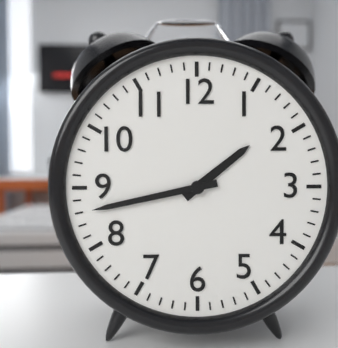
1:43
